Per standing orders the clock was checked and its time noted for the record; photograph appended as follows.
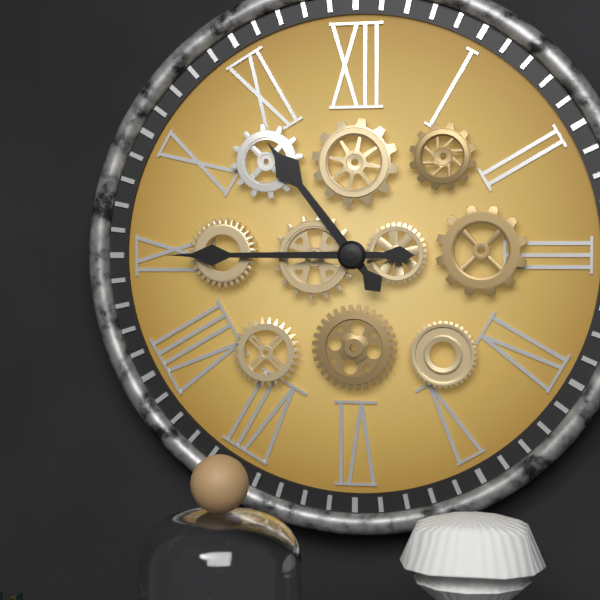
10:45
